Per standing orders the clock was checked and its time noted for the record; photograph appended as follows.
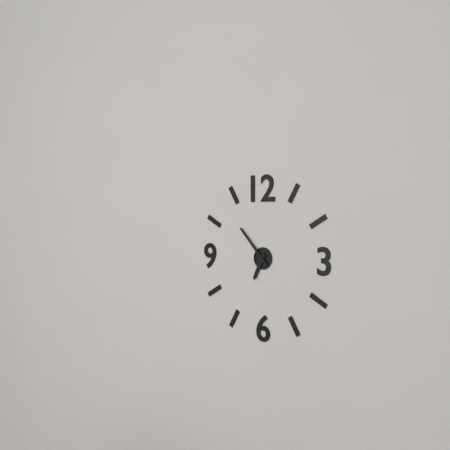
6:53
